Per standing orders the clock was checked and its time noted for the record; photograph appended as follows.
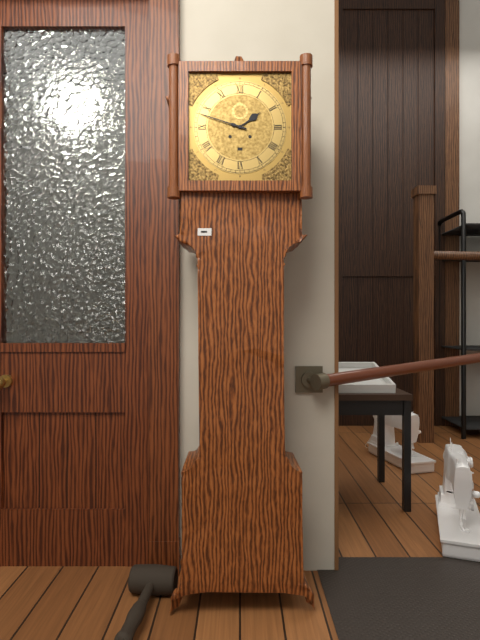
1:48
